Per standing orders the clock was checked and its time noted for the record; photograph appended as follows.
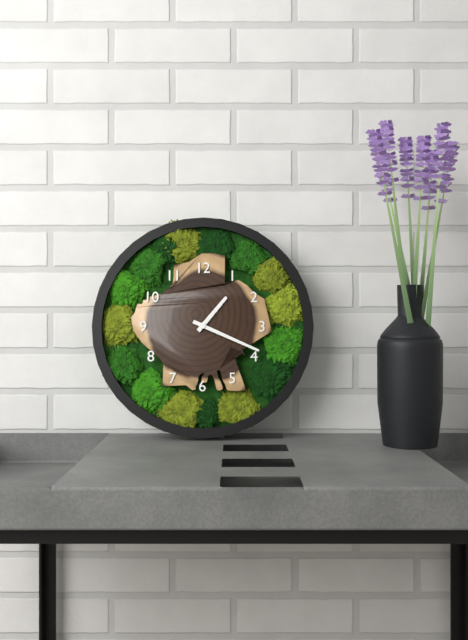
1:19
